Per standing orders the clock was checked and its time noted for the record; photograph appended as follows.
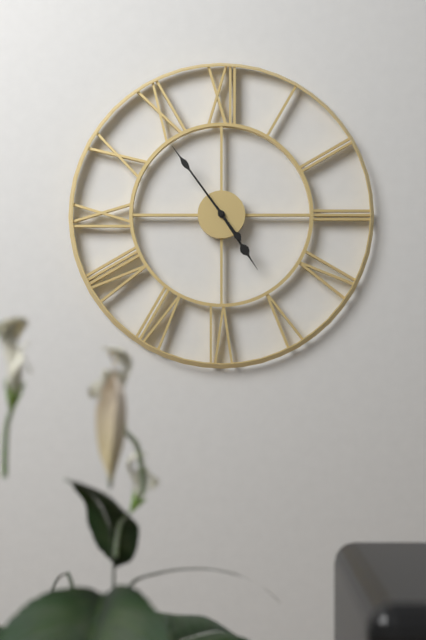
4:54
